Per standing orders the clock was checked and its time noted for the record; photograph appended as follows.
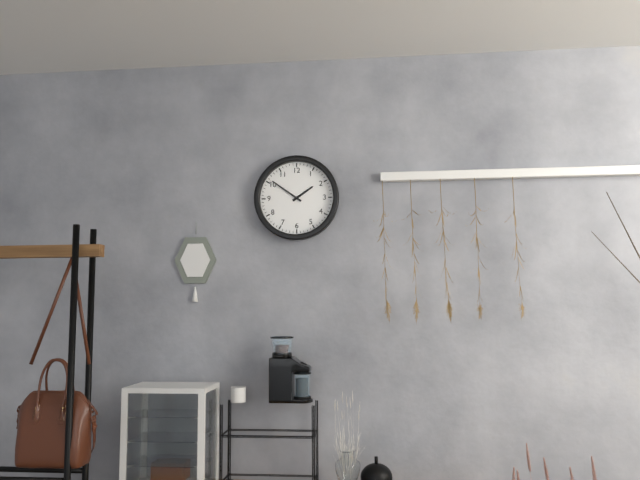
1:51
